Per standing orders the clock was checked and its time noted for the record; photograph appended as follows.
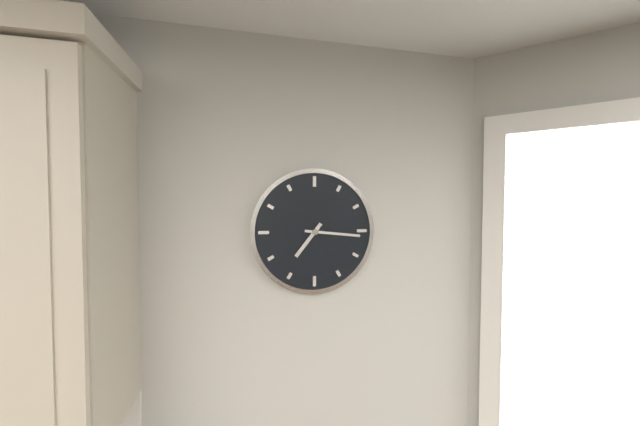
7:16
